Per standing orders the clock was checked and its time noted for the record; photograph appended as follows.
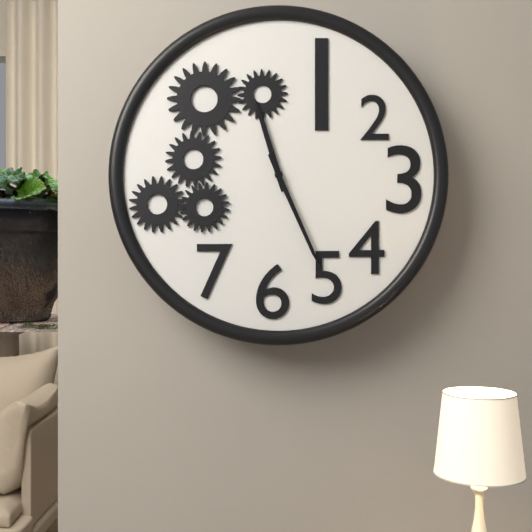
11:26
